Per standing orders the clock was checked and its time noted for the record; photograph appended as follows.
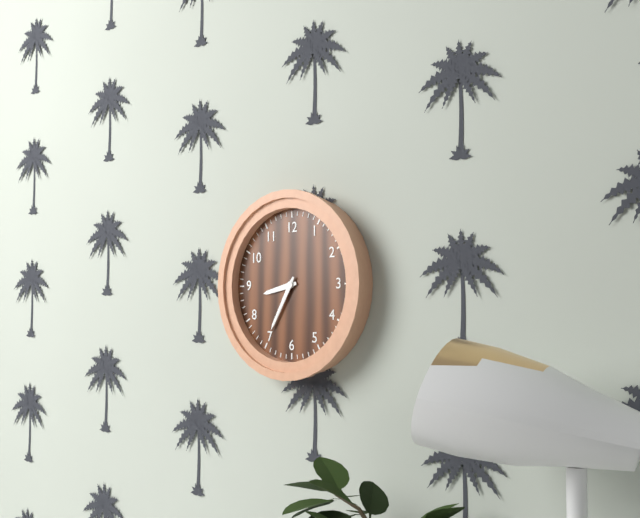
8:35
